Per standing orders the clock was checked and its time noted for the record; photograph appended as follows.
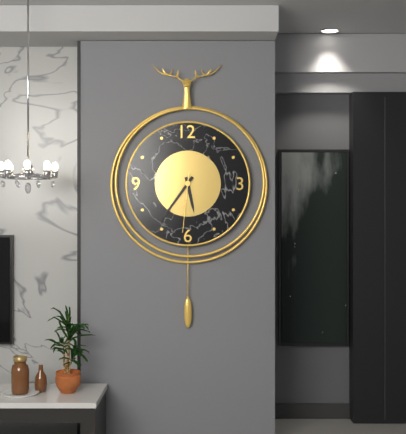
5:36:31
